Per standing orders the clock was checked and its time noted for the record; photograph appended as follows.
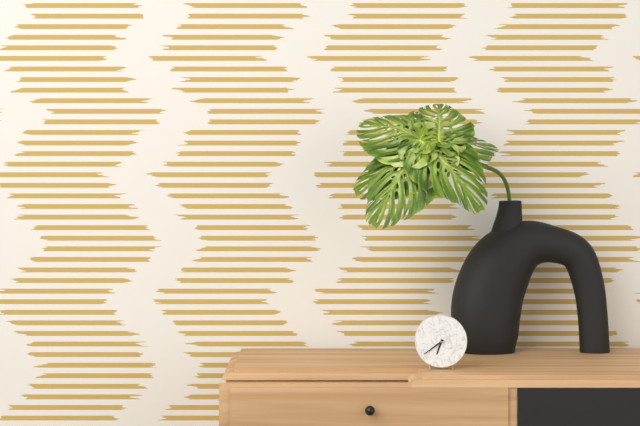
6:39
